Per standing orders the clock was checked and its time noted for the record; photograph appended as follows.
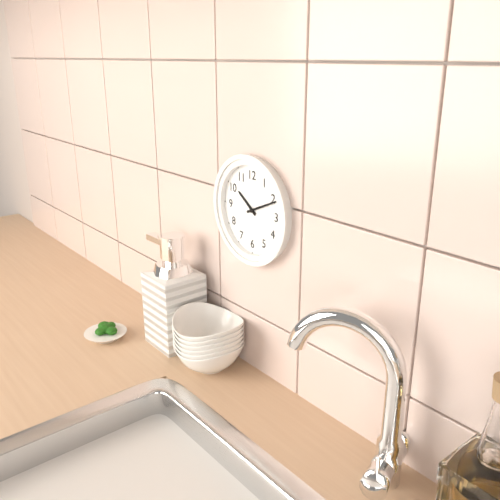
10:11
